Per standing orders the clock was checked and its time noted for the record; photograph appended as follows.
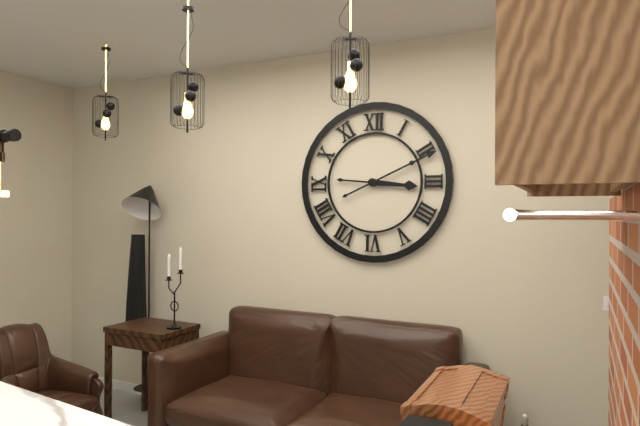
3:11
